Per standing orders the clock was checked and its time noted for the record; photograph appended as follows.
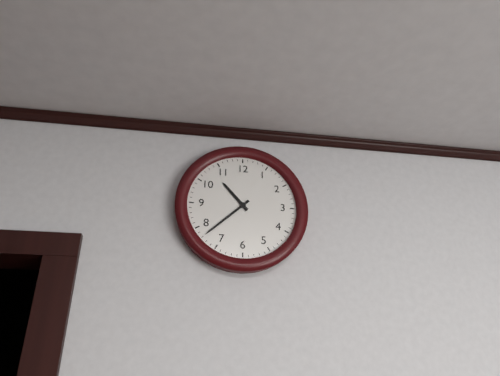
10:38
